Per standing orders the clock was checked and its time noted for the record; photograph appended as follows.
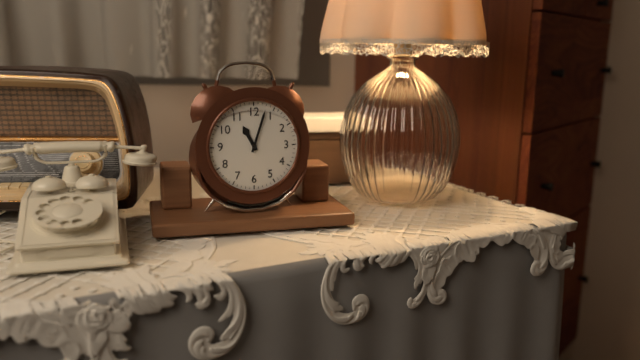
11:03
